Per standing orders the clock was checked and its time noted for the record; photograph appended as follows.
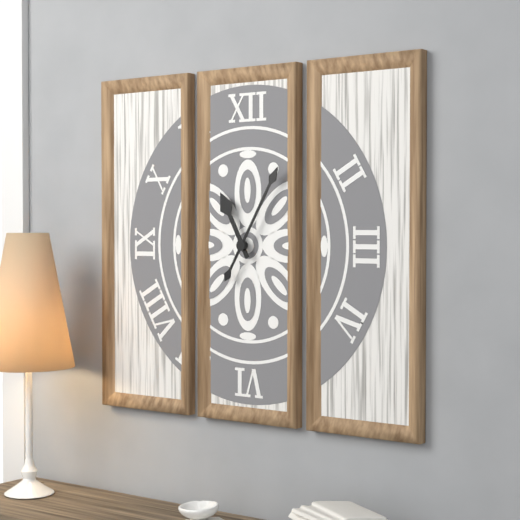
11:05
